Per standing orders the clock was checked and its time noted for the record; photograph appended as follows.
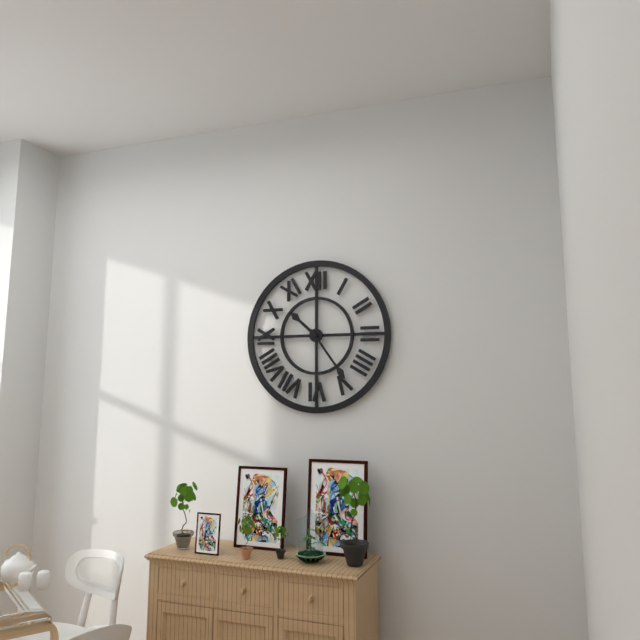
10:24
